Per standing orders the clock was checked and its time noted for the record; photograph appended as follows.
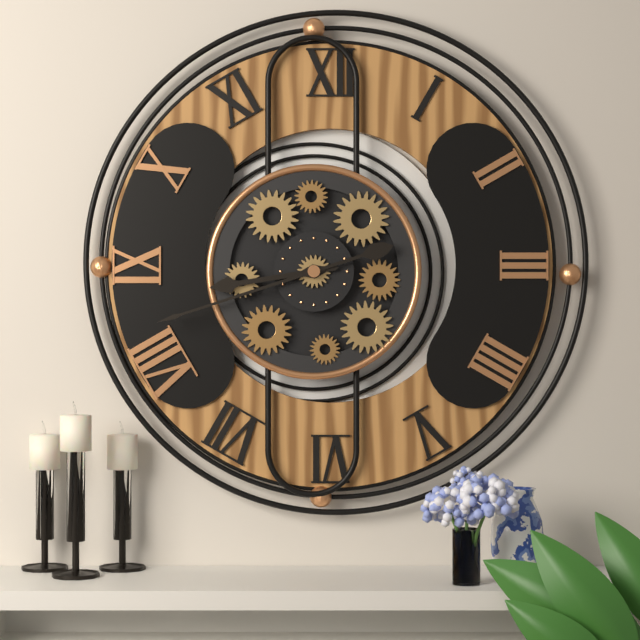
8:42
